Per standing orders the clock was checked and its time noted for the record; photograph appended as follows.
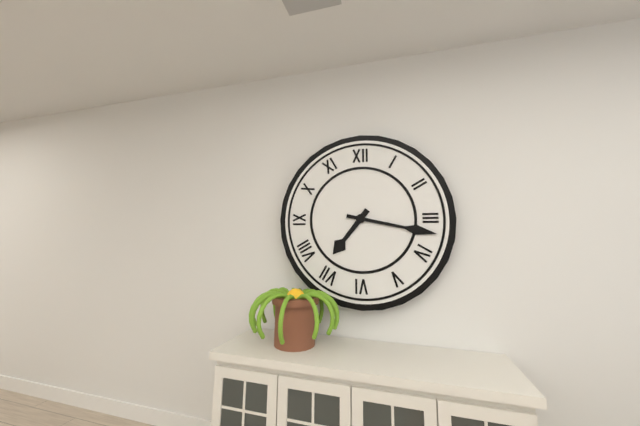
7:17
